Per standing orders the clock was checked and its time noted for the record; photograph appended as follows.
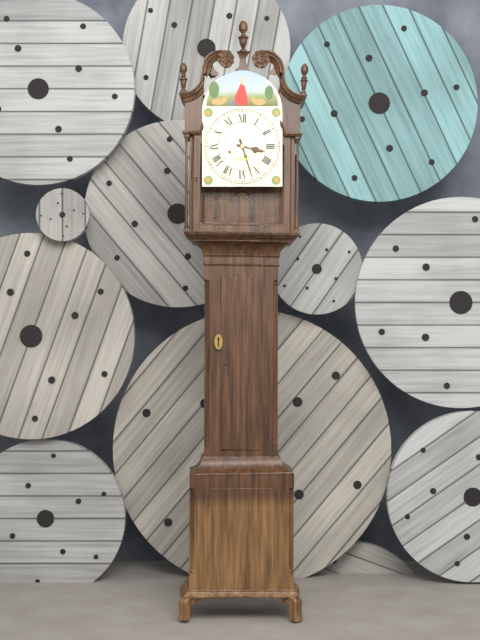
3:27
